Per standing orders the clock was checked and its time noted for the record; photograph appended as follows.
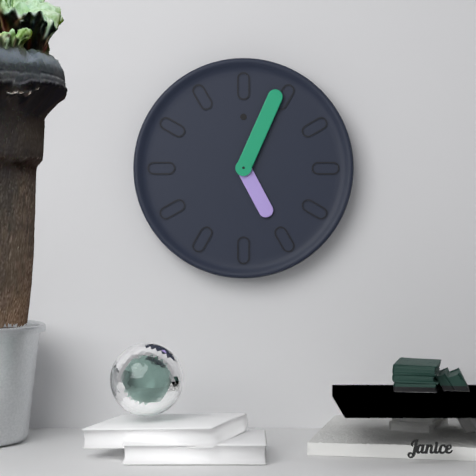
5:04
